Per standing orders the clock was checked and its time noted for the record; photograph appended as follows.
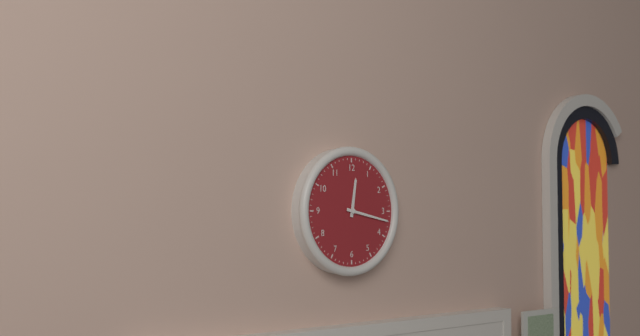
12:17
